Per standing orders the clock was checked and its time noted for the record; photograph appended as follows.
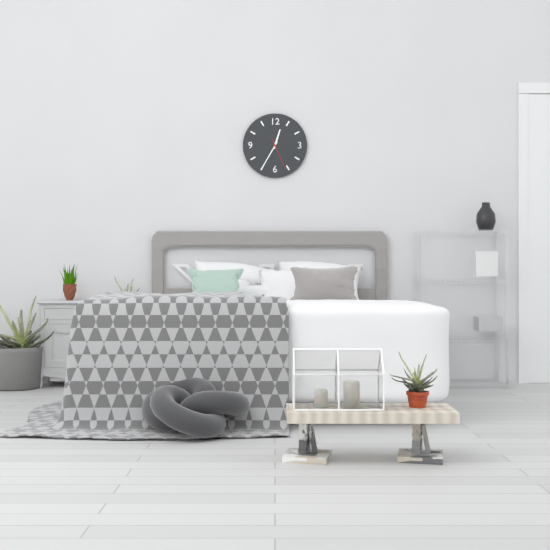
12:35
